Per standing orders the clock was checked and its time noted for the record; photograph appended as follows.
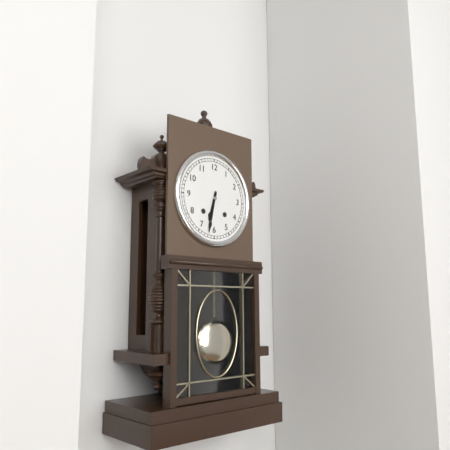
6:32
